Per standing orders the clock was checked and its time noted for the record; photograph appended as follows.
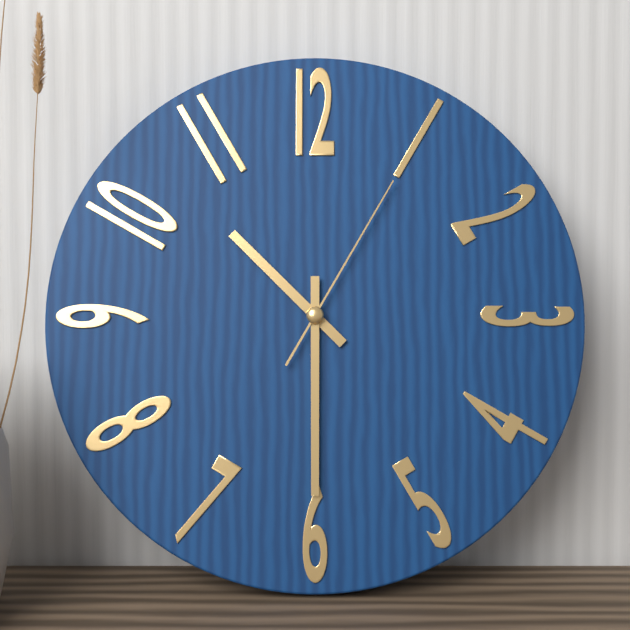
10:30:05
